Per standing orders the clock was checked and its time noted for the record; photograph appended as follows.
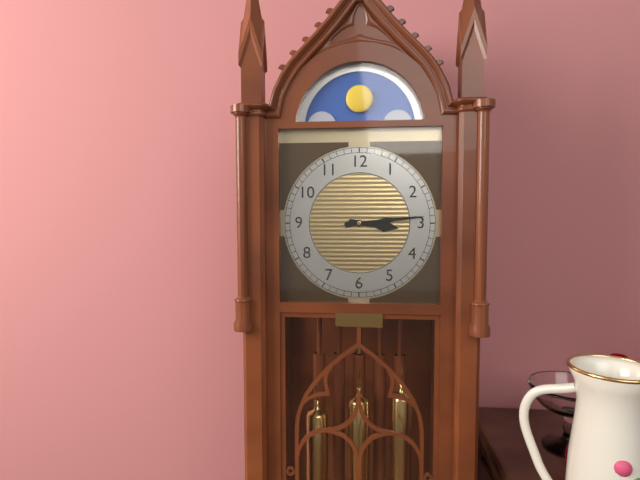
3:14
